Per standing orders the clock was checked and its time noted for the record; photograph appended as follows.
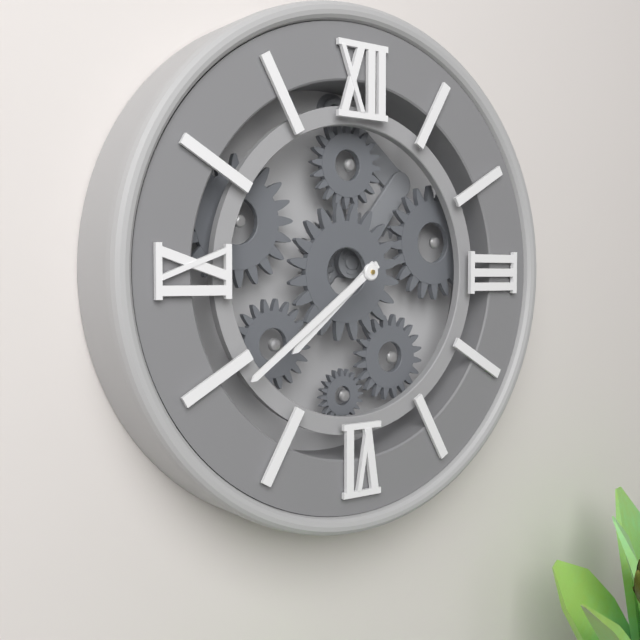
7:39
